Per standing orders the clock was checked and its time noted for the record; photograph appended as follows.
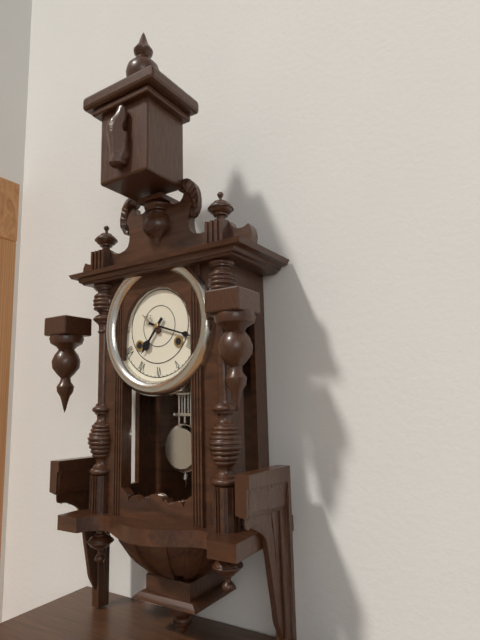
7:18
